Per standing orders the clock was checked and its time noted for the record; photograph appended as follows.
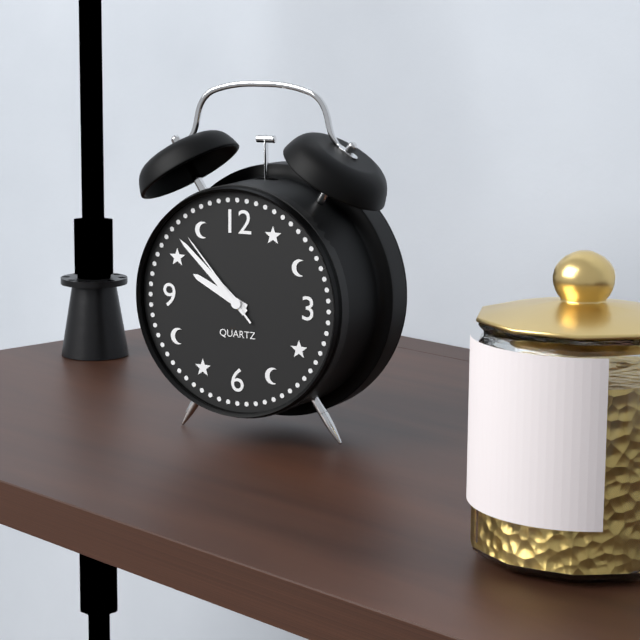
9:52:53
